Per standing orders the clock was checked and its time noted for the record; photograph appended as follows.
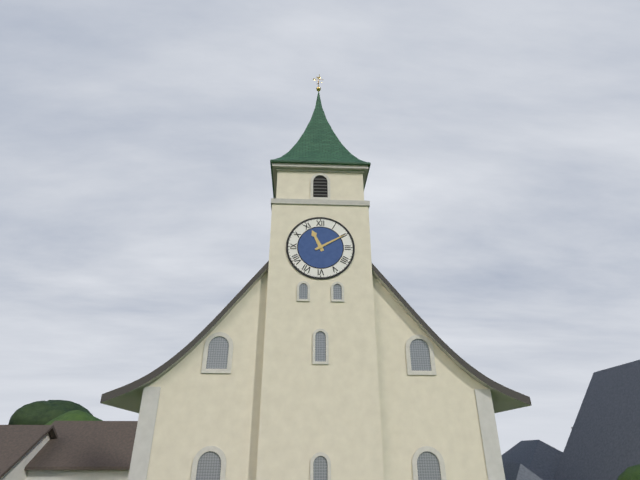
11:10
